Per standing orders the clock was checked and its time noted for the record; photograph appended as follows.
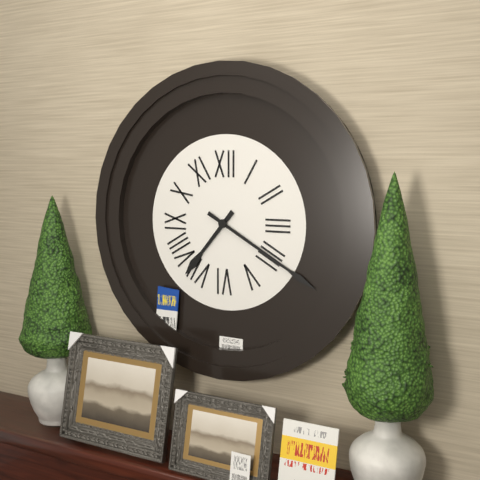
7:20
